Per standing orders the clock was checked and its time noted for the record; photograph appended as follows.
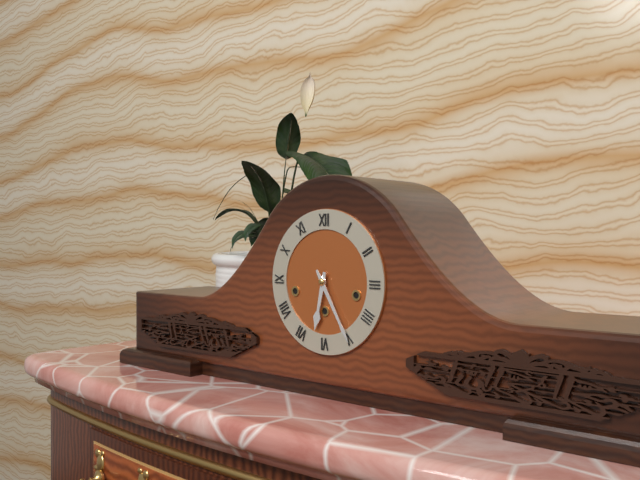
6:25
